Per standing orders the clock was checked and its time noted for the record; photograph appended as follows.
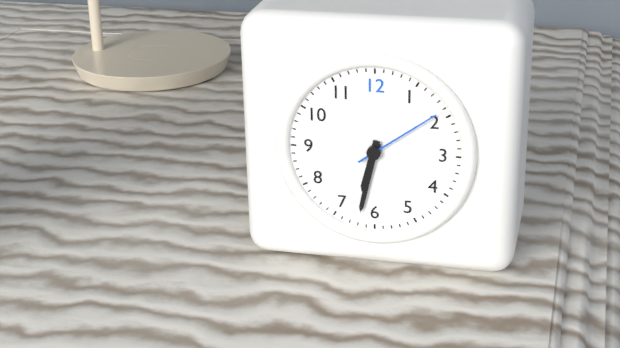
6:32:09
